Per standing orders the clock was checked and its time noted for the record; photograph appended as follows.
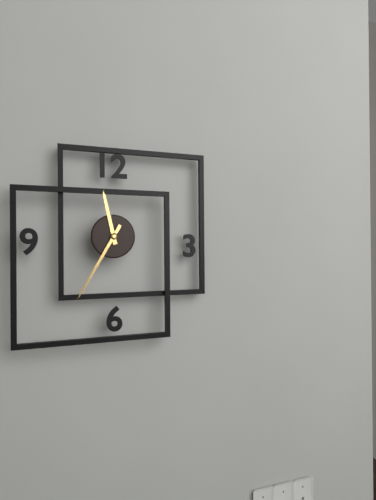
11:35
